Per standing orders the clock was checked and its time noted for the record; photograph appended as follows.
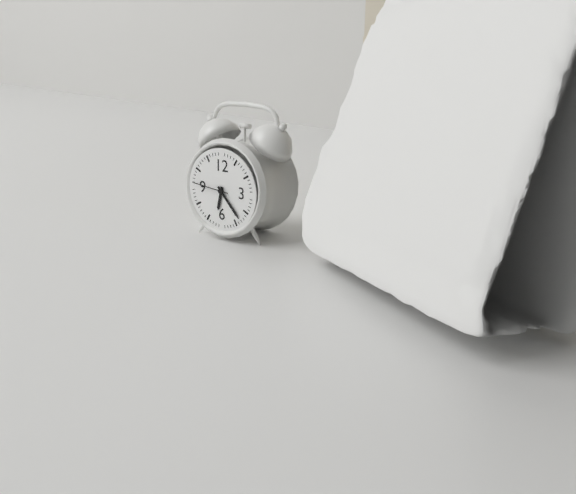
6:23
